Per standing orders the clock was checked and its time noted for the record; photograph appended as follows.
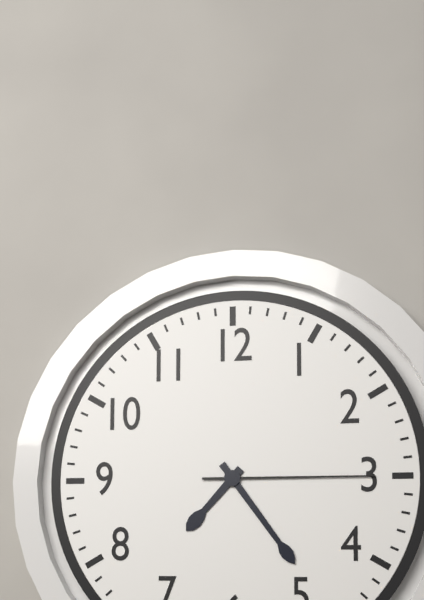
7:24:15
